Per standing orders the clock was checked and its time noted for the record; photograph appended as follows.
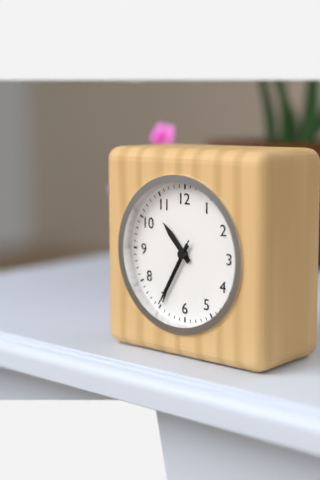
10:35:35
